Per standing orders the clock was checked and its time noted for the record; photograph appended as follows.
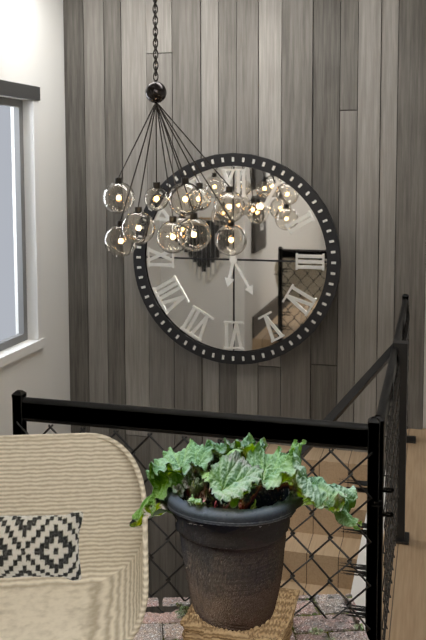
6:25
